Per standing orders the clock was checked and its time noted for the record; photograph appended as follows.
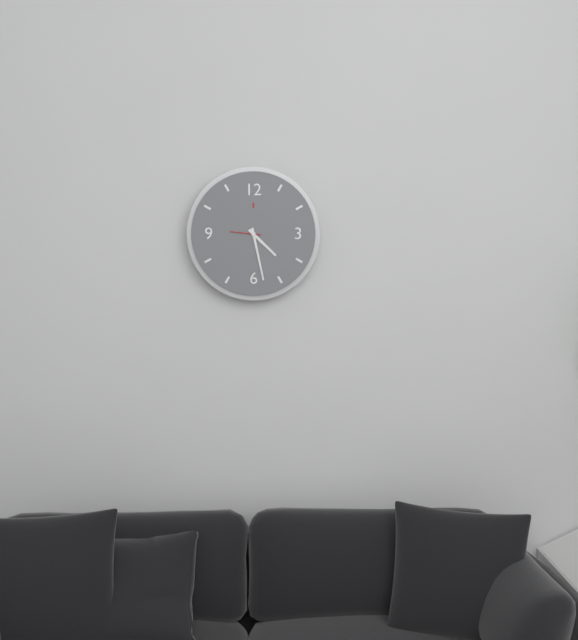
4:28
